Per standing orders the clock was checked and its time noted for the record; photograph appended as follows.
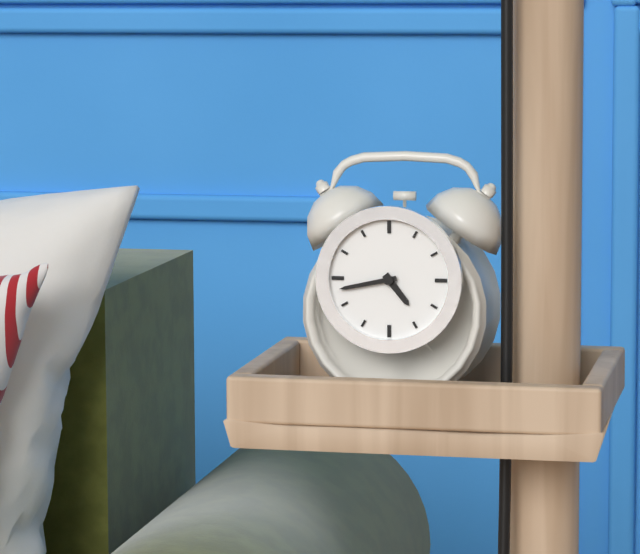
4:43
